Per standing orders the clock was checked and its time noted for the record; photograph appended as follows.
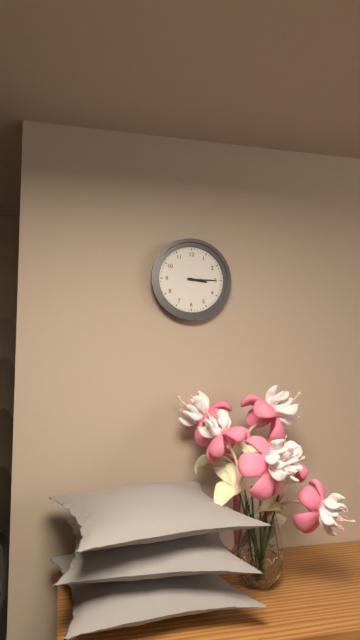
3:15
